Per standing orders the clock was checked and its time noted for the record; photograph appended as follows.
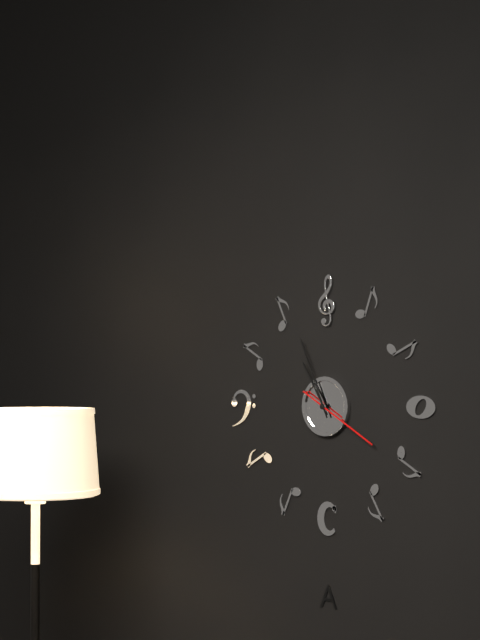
10:56:20
